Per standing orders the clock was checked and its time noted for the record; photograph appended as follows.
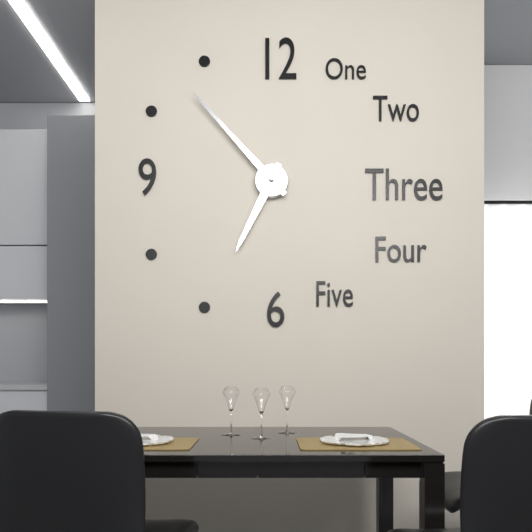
6:53
